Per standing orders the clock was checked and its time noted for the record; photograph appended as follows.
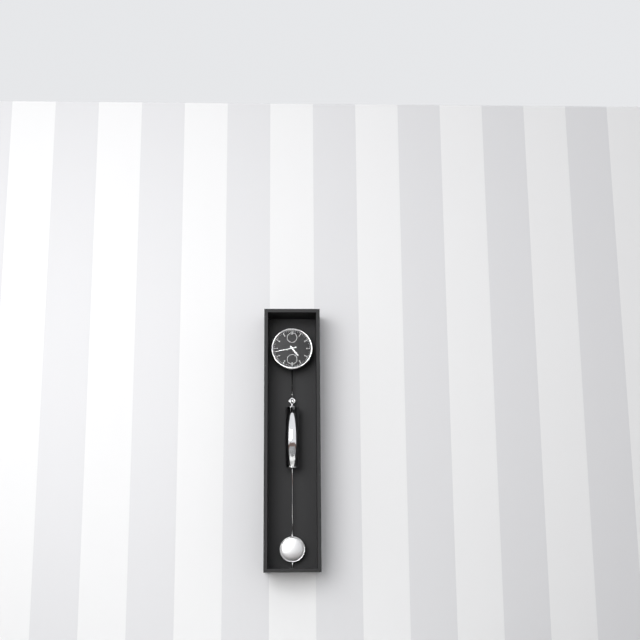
4:43
